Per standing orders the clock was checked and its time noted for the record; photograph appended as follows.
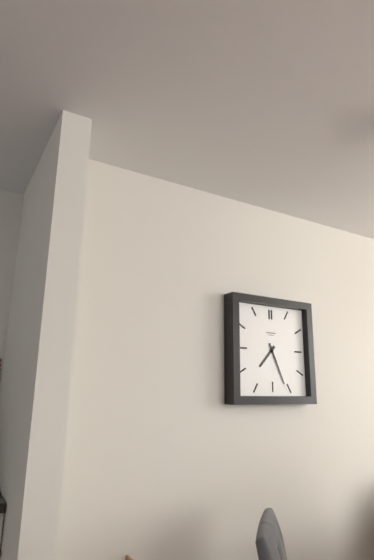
7:26
